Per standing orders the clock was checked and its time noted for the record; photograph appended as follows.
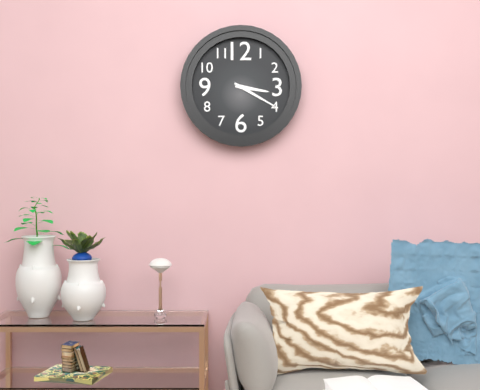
3:20
